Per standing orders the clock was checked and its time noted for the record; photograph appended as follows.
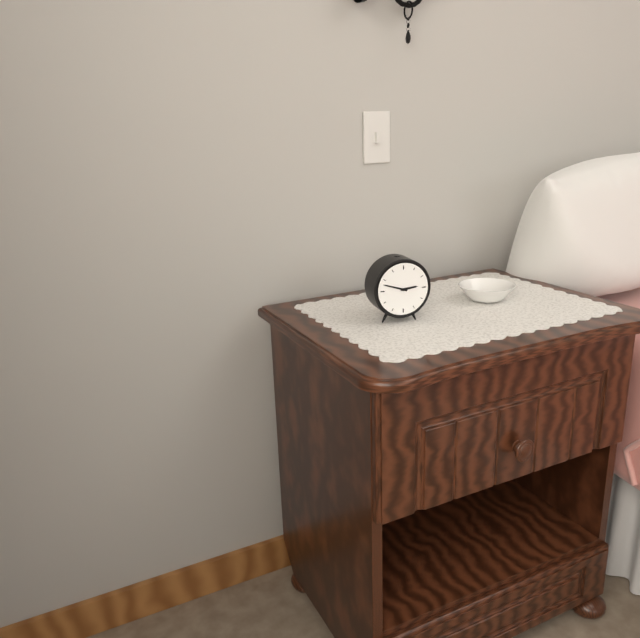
2:48
